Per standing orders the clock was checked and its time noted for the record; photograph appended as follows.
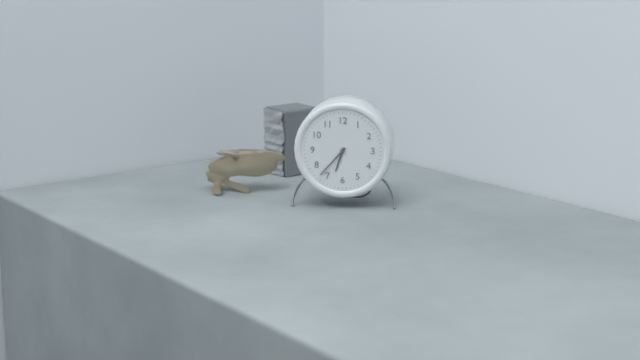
6:37
